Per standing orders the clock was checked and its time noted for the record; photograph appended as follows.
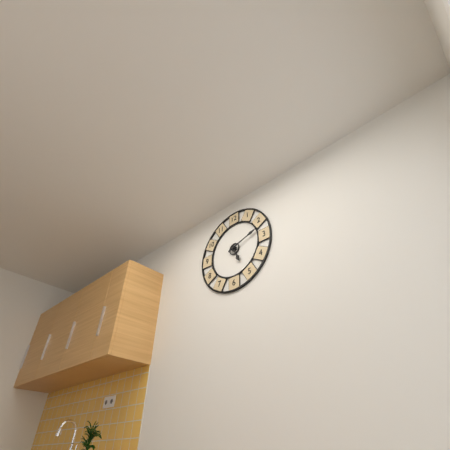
5:12
